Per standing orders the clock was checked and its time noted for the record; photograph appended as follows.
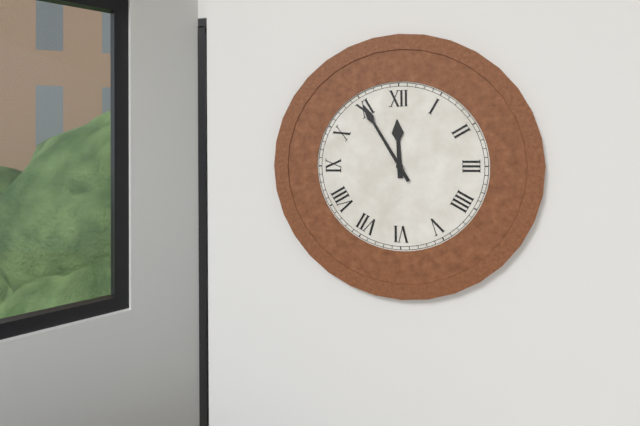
11:55
